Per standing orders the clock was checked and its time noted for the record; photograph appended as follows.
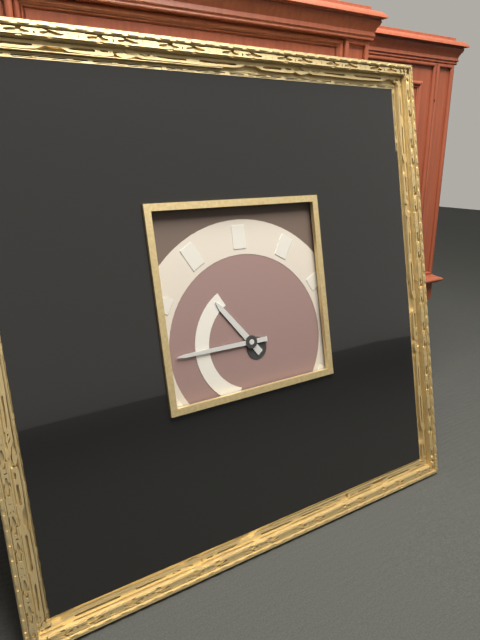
10:45
